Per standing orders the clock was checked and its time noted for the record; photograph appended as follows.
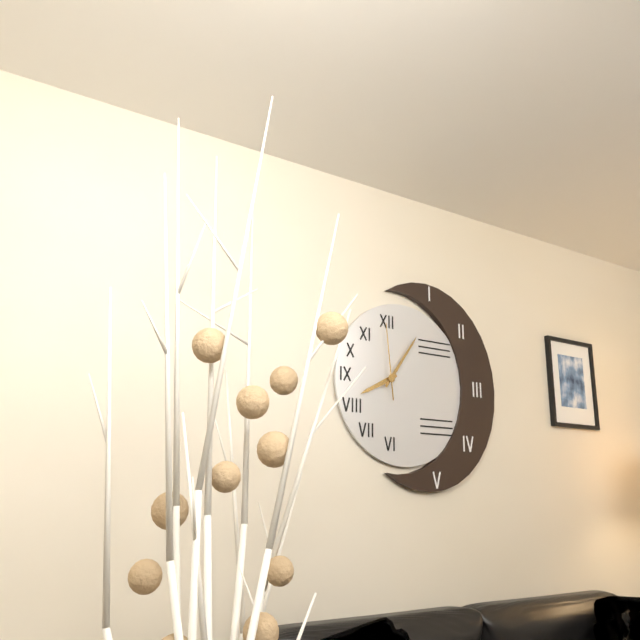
8:06:59
